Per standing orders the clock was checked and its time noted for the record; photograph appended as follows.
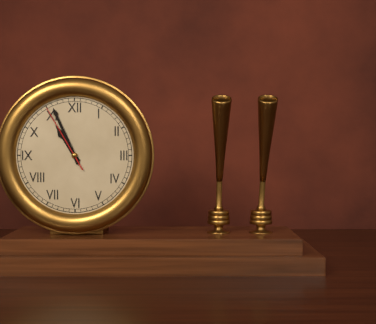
10:56:55
